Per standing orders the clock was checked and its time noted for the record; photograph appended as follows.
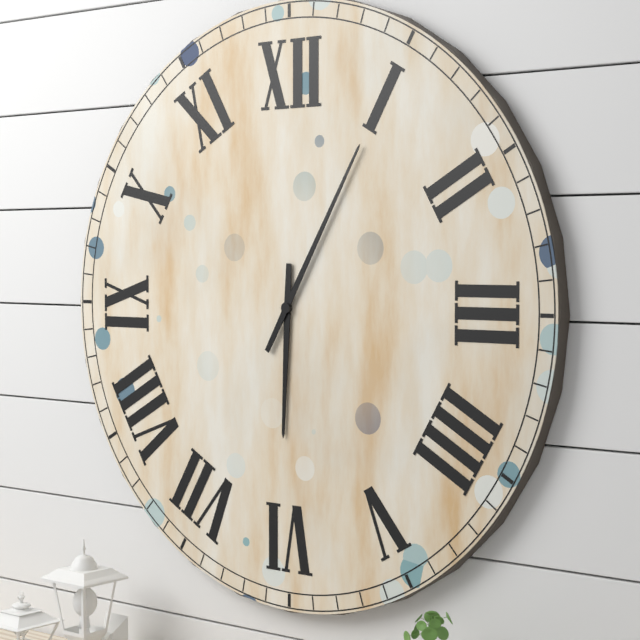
6:05
